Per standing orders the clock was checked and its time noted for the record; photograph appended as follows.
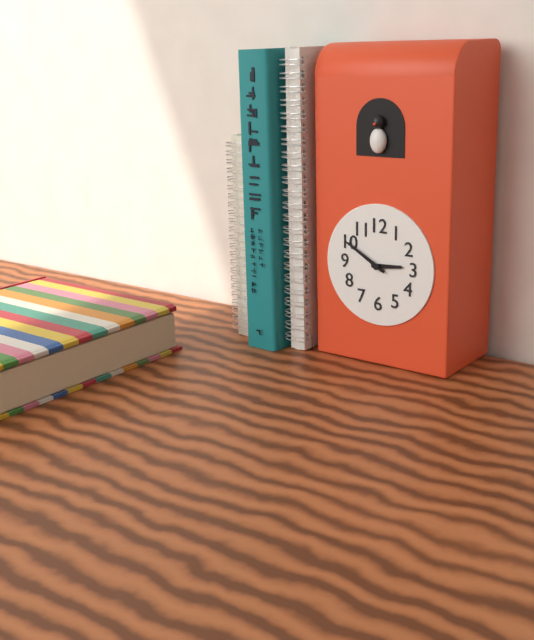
2:50
